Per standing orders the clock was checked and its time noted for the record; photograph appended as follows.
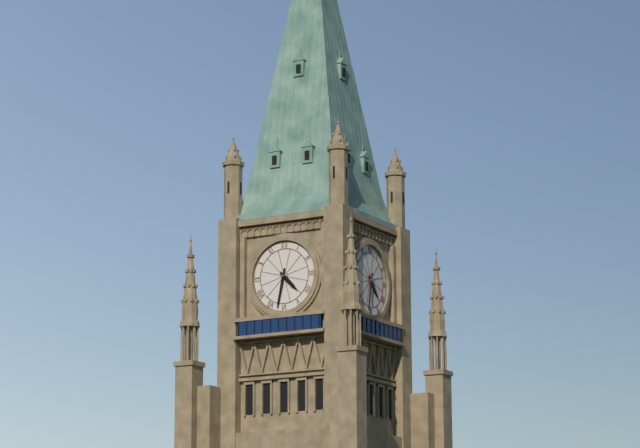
4:32
